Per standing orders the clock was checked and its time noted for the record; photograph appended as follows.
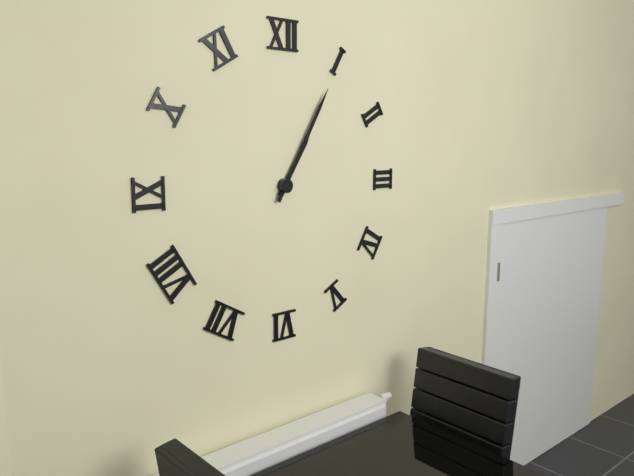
1:05
